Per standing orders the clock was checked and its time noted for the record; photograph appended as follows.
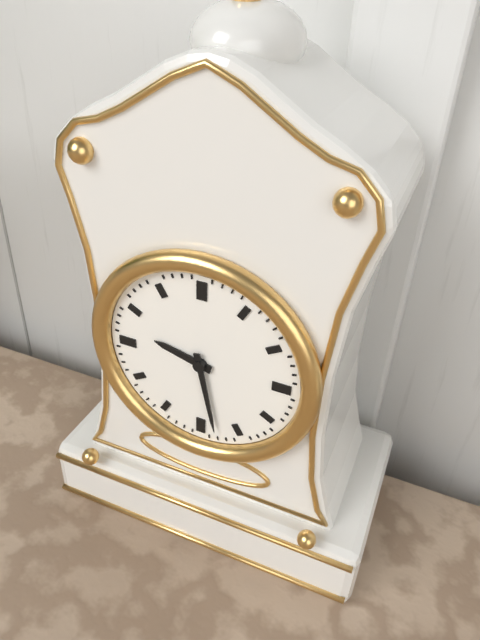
9:28
